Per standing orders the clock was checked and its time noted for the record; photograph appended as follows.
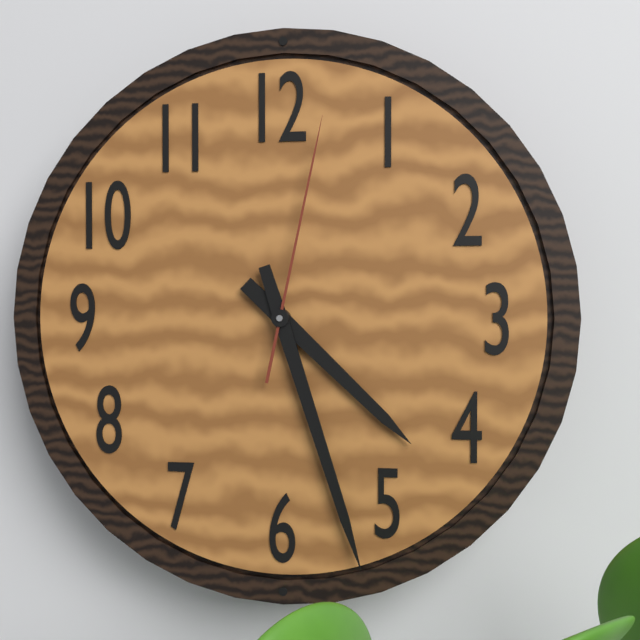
4:27:02
